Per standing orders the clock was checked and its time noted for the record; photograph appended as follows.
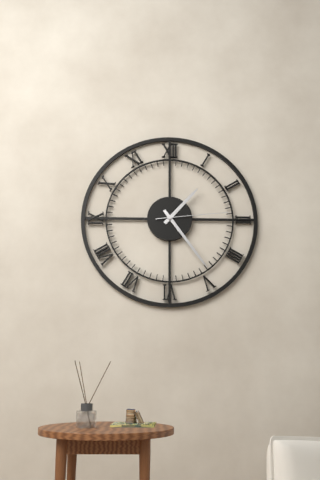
1:24:14
